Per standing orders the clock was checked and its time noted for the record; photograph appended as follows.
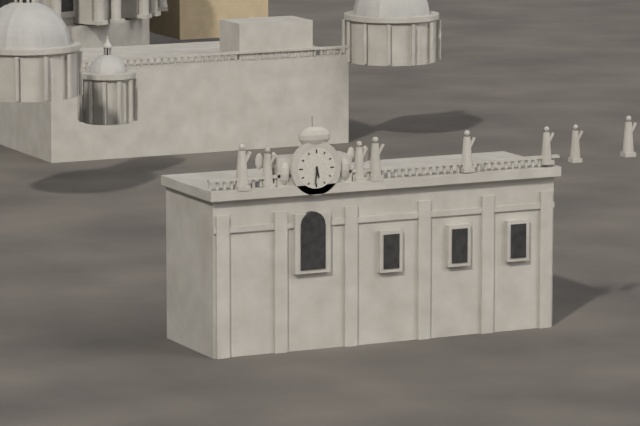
5:31
